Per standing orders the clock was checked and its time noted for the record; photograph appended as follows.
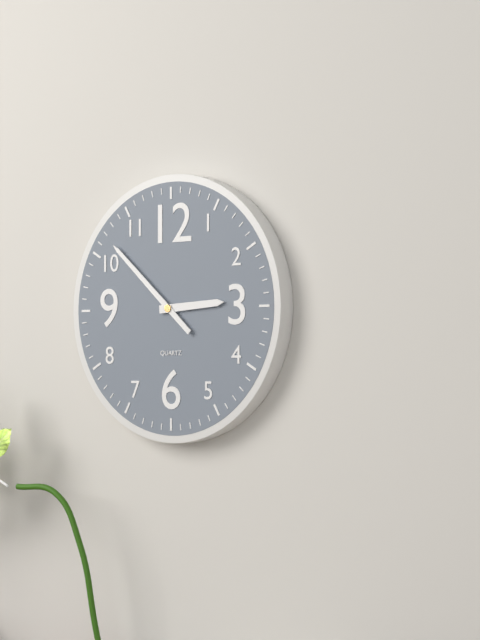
2:52
